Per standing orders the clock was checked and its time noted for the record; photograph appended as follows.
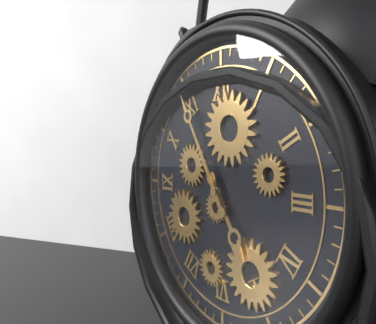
4:55
